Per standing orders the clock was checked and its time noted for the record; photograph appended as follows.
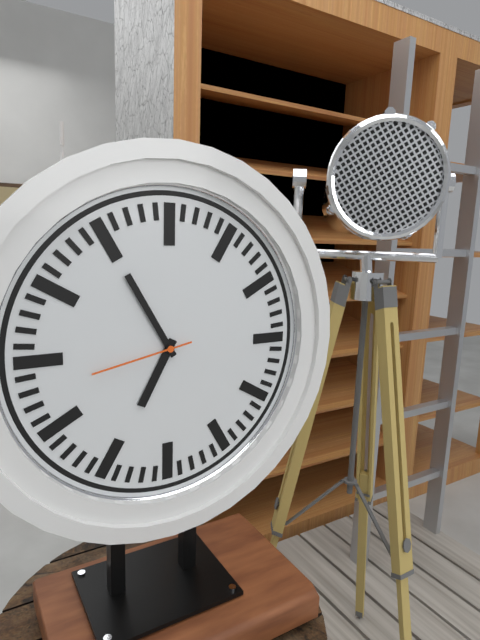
6:55:43
